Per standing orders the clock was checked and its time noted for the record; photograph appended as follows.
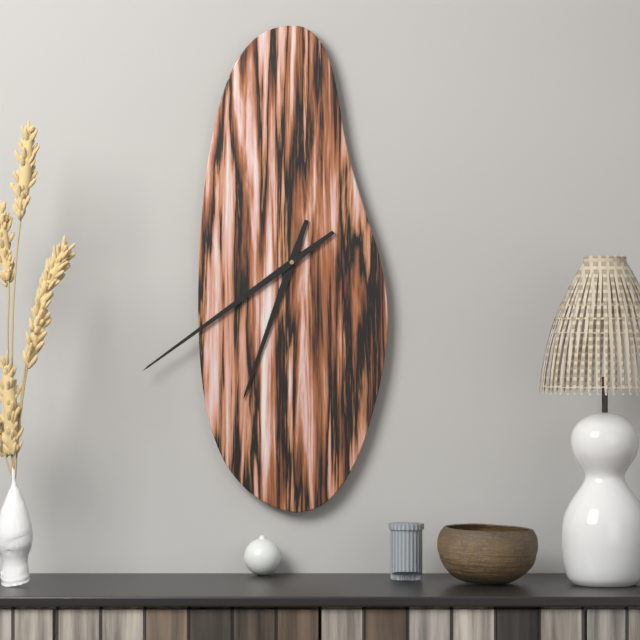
6:39
